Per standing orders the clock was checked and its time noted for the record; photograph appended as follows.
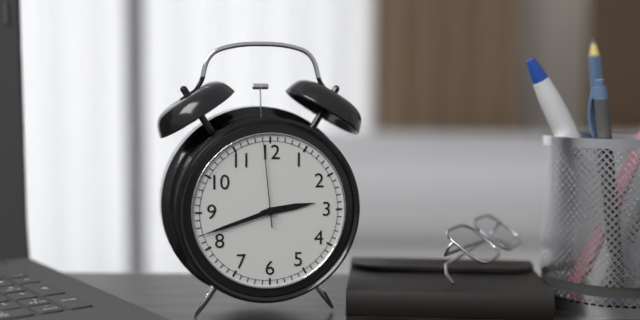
2:42:59
